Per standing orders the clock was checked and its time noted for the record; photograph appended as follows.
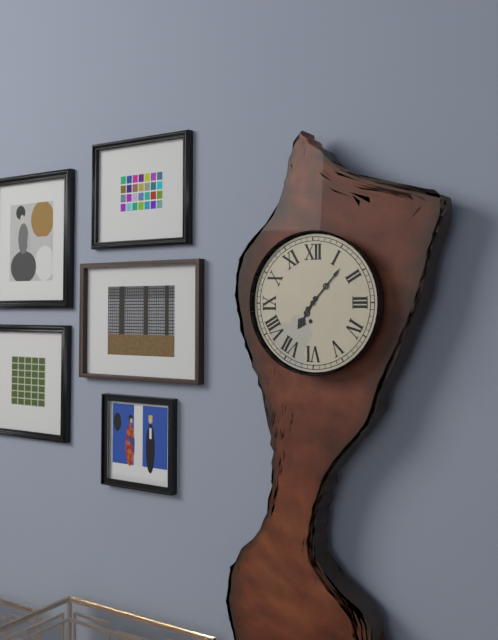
7:07
